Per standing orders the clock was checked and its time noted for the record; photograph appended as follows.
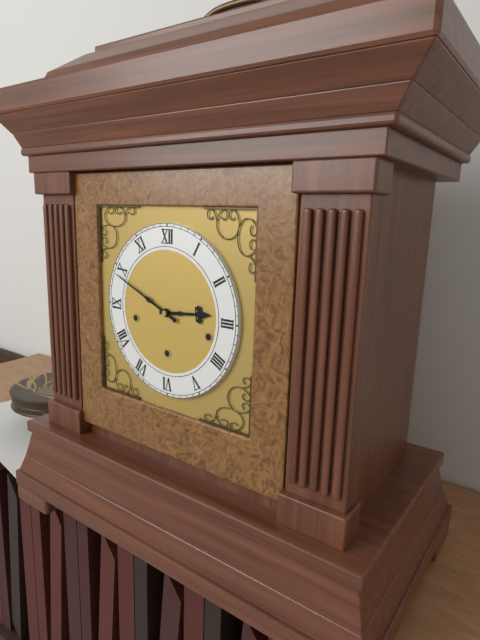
2:49
